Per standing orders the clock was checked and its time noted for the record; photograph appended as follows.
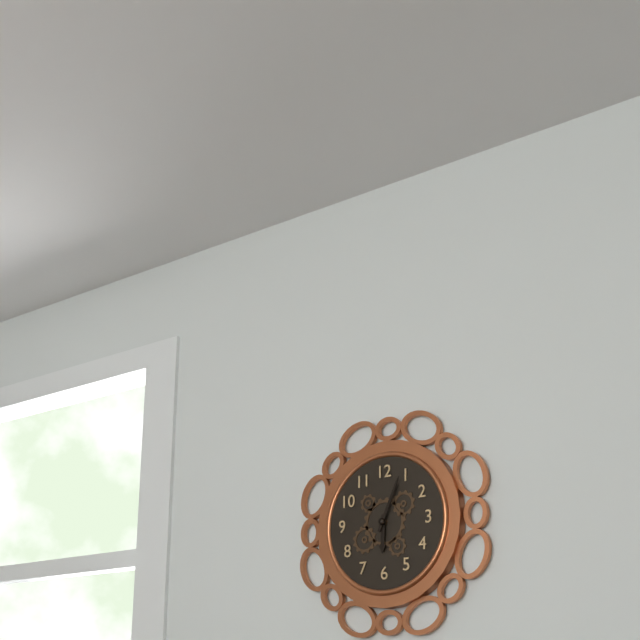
6:04
